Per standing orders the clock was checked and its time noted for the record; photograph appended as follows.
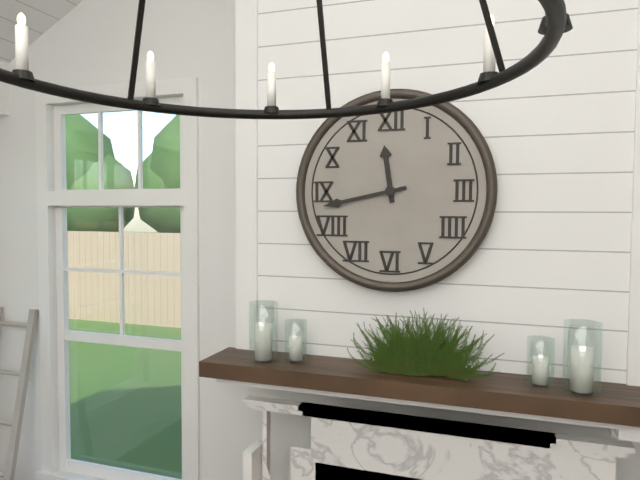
11:43
